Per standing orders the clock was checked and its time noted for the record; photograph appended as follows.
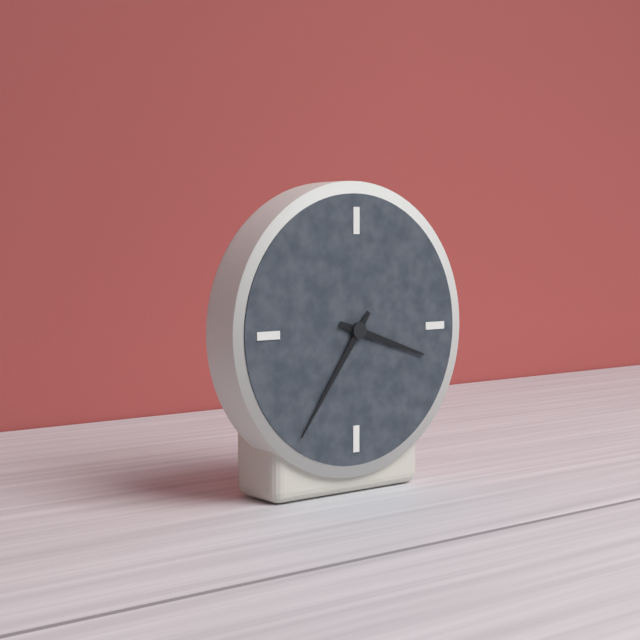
3:36
